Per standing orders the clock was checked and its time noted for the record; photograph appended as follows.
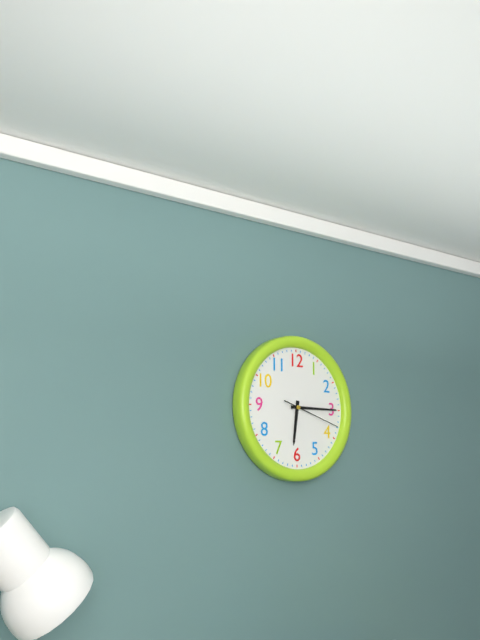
6:15:18
